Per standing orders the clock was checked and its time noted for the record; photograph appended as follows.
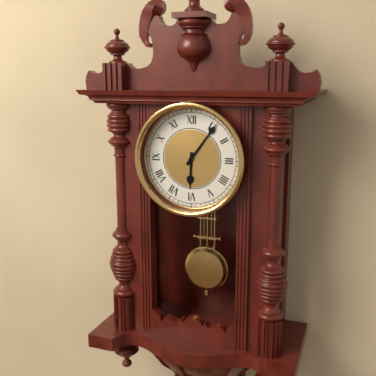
6:06
